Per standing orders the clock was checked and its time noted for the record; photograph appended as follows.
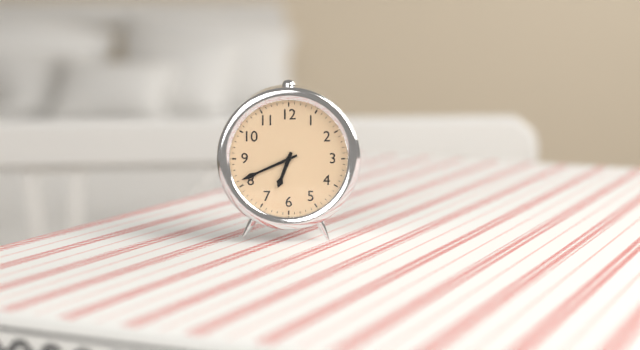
6:41
